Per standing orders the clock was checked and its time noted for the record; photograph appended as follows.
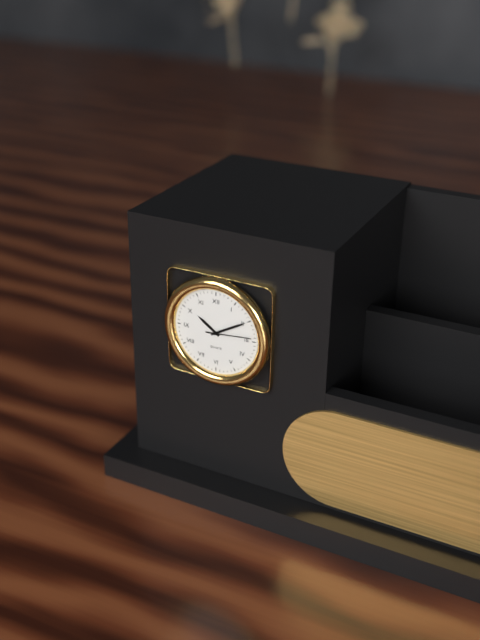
10:10
